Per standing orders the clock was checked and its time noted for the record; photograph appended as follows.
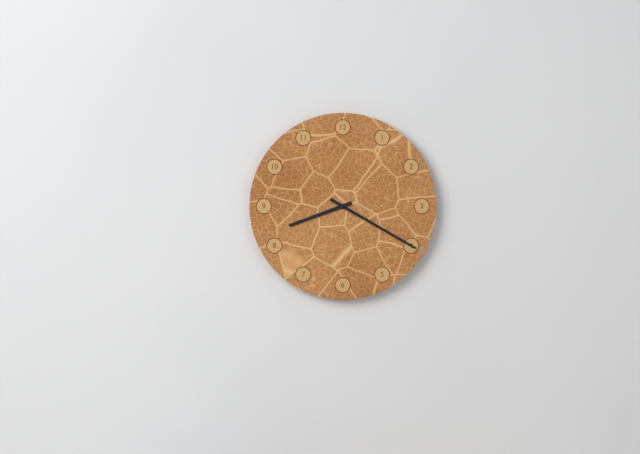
8:20
